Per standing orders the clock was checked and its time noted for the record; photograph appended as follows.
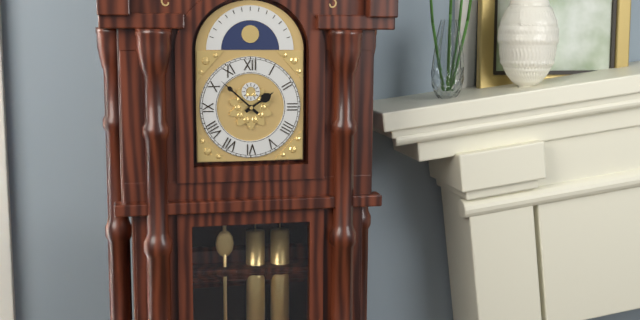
1:52
